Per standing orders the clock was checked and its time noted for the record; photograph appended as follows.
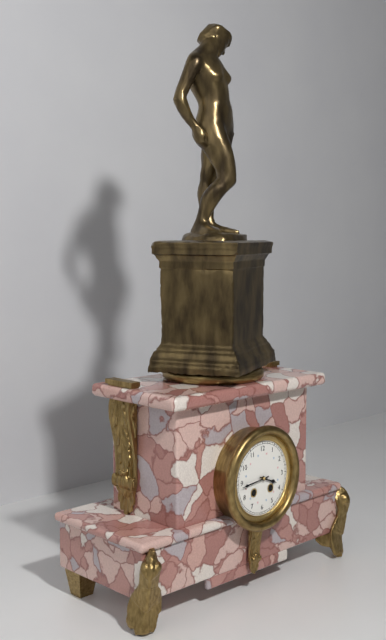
3:44
